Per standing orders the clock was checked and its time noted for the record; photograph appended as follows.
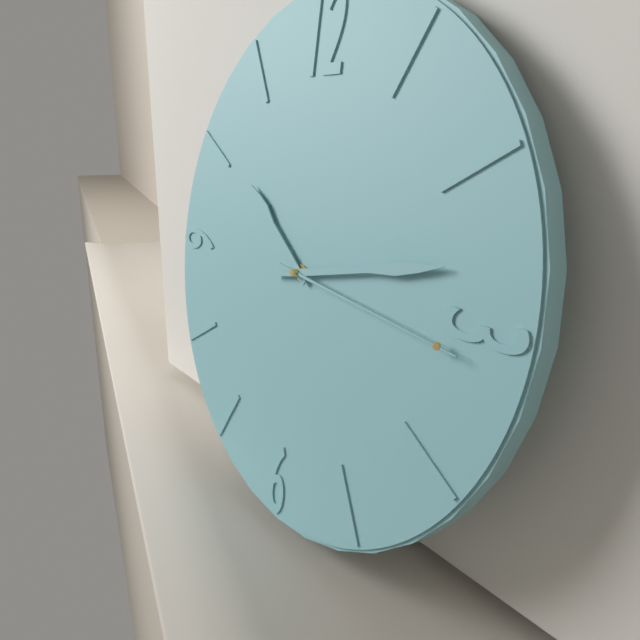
10:13:16
